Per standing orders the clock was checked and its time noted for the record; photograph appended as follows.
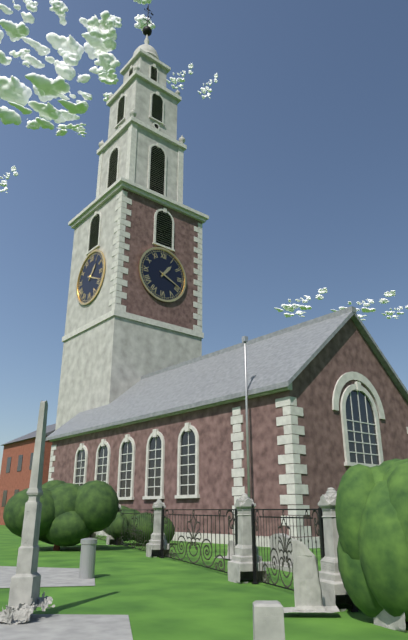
1:19
